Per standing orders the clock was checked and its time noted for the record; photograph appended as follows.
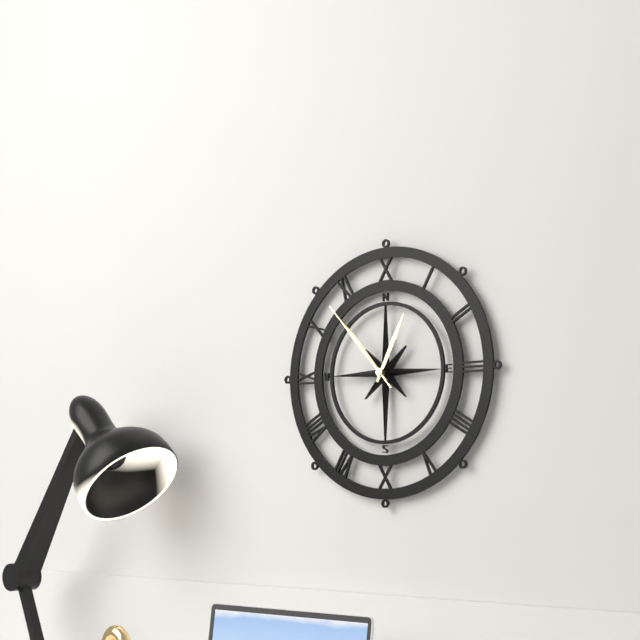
12:53:53
